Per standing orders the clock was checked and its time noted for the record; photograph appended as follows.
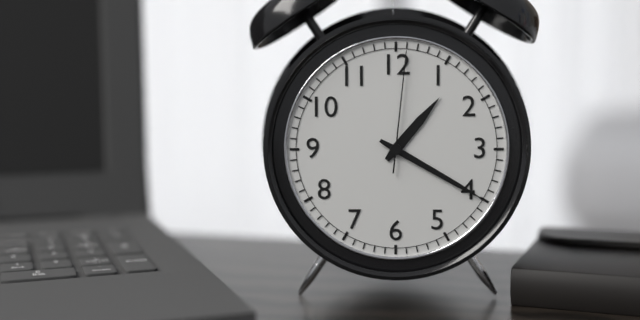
1:20:01
